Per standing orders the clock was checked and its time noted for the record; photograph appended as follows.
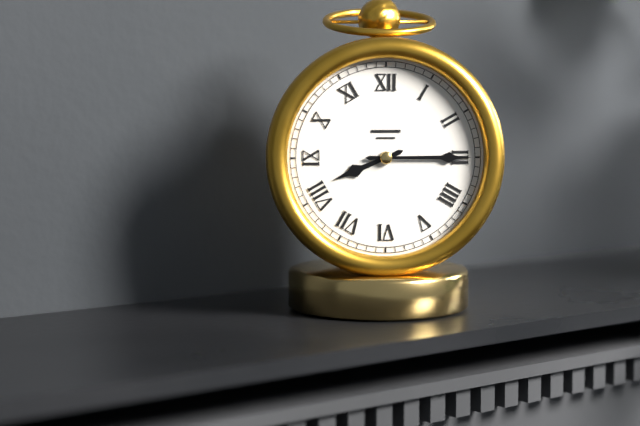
8:15
